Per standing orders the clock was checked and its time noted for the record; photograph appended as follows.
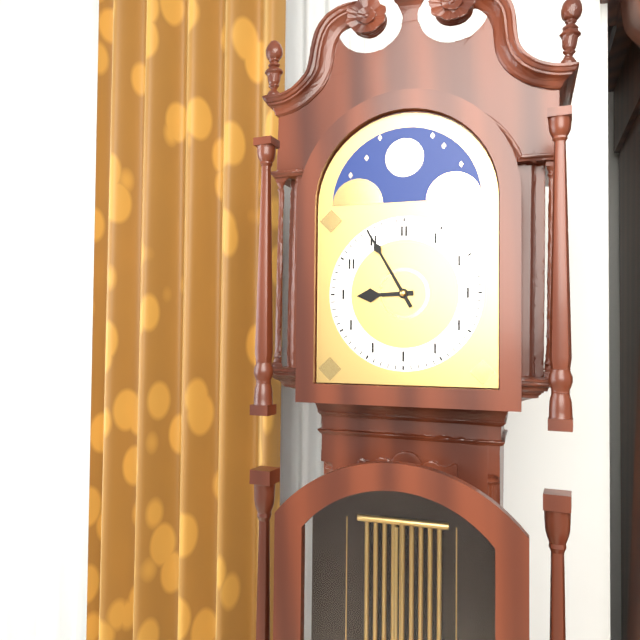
8:55
